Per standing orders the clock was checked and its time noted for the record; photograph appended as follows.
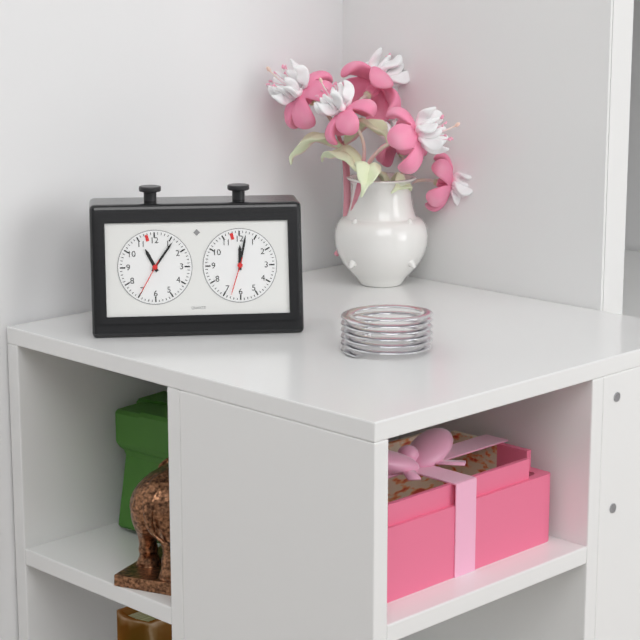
11:06
